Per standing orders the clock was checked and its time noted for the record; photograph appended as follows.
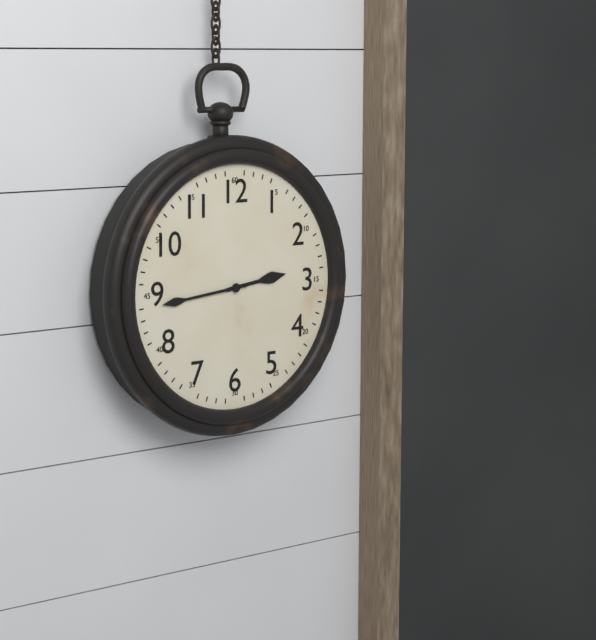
2:44
